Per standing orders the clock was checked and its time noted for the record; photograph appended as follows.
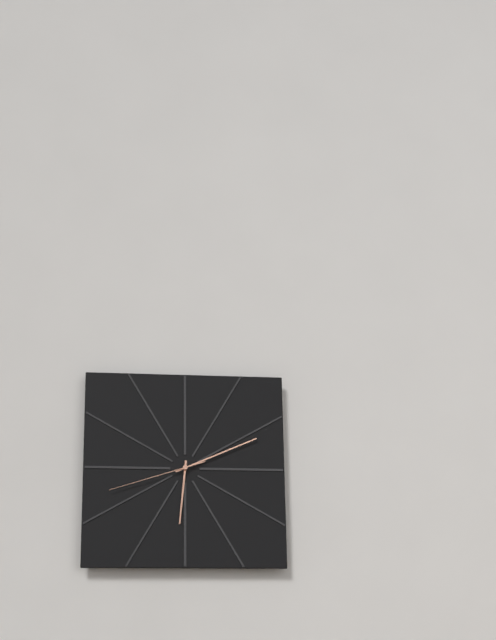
6:11:42
